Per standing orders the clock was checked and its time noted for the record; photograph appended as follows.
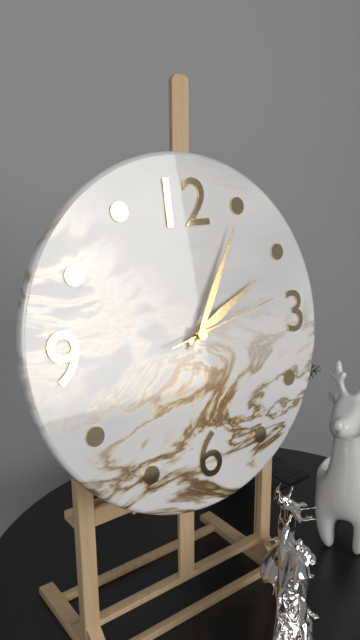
2:05:13
